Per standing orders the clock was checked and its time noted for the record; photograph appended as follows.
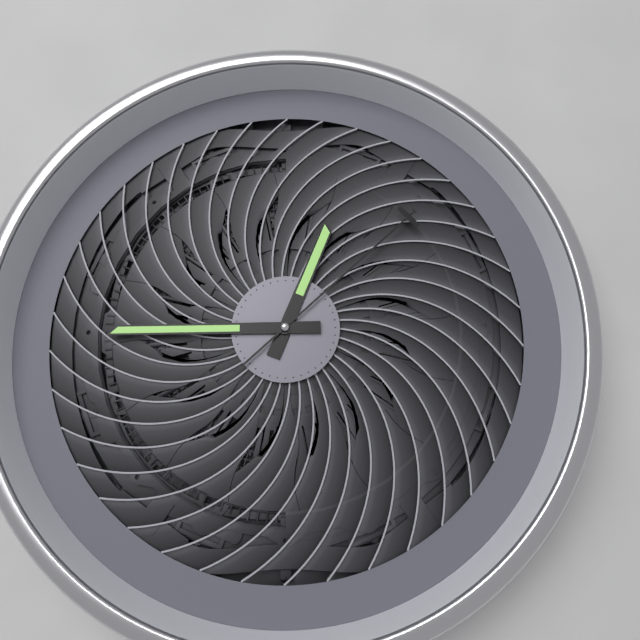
12:45:08
